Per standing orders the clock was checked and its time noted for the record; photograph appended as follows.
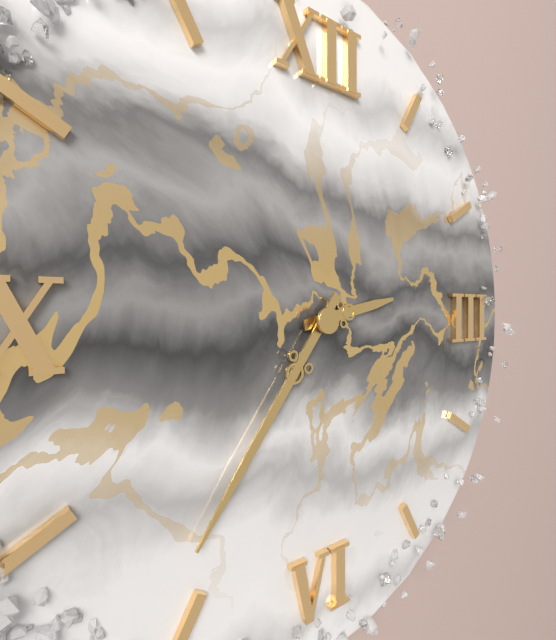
2:36
